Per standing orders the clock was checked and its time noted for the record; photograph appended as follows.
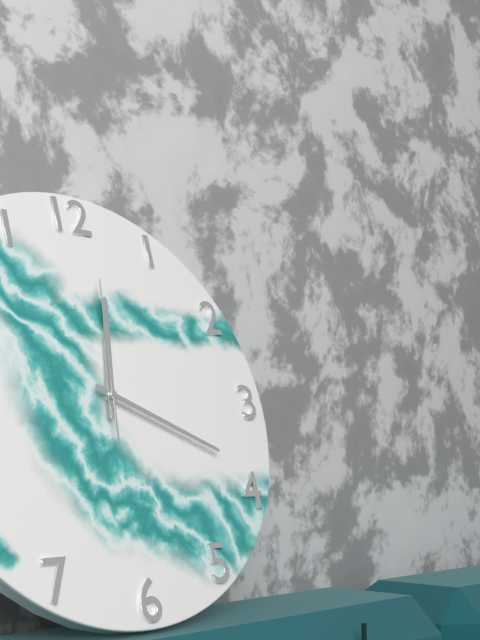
12:19:01
